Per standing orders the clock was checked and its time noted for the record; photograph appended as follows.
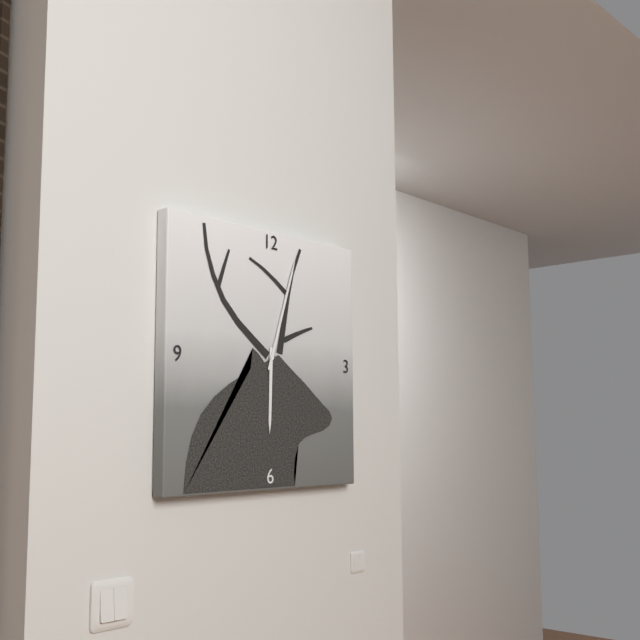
6:03
